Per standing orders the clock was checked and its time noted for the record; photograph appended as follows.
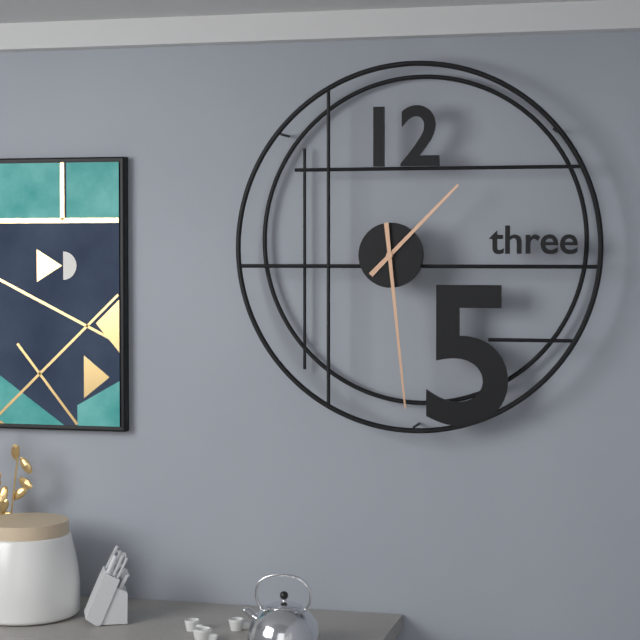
1:29
